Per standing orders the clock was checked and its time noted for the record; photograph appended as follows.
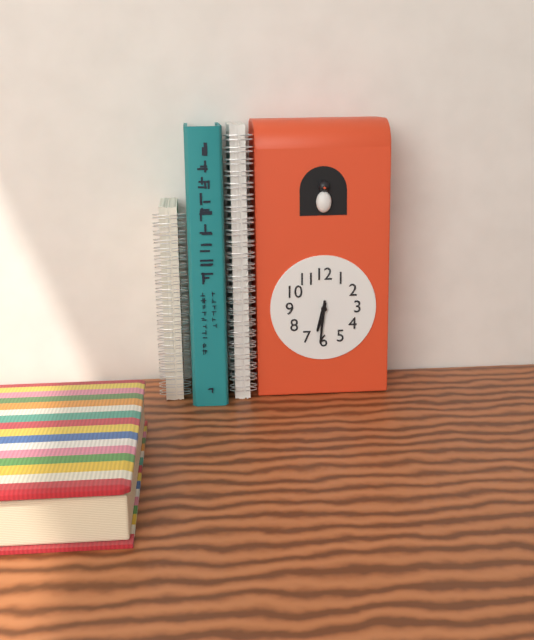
6:31
